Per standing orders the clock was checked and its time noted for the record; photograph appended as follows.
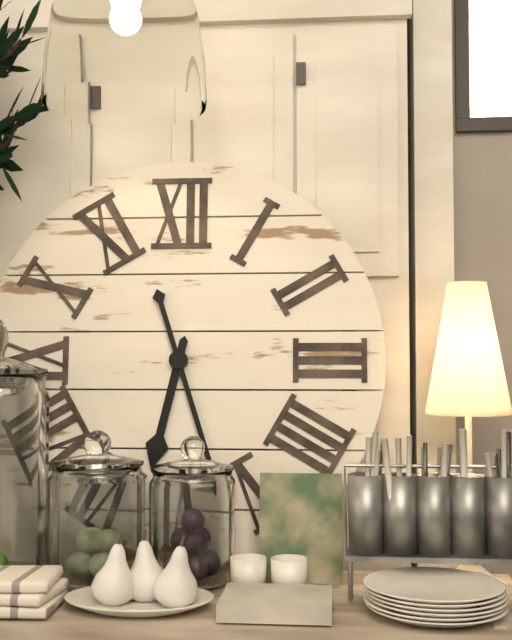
6:27
